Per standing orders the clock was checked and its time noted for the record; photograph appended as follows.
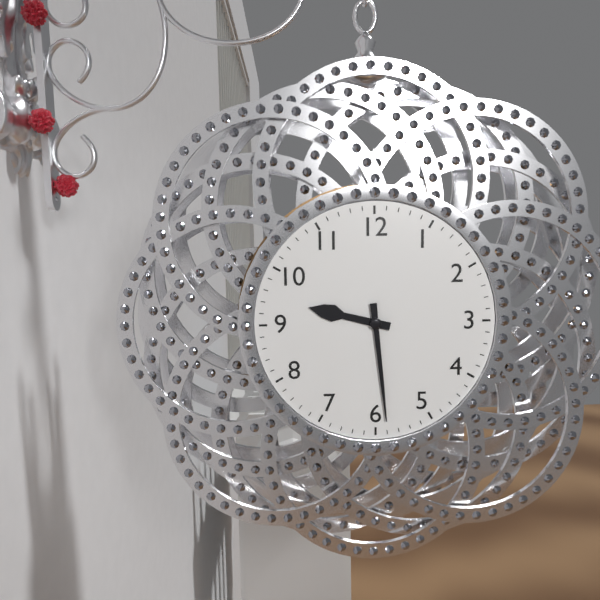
9:29
